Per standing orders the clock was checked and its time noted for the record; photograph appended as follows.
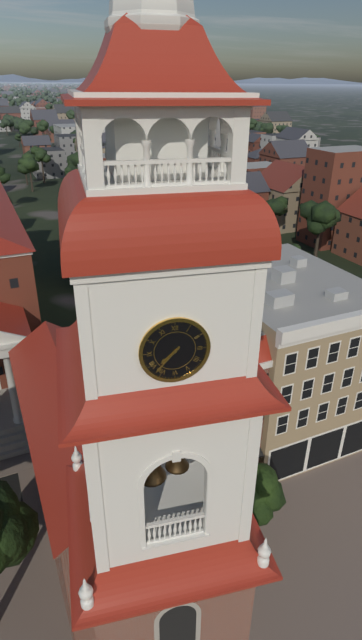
7:37
